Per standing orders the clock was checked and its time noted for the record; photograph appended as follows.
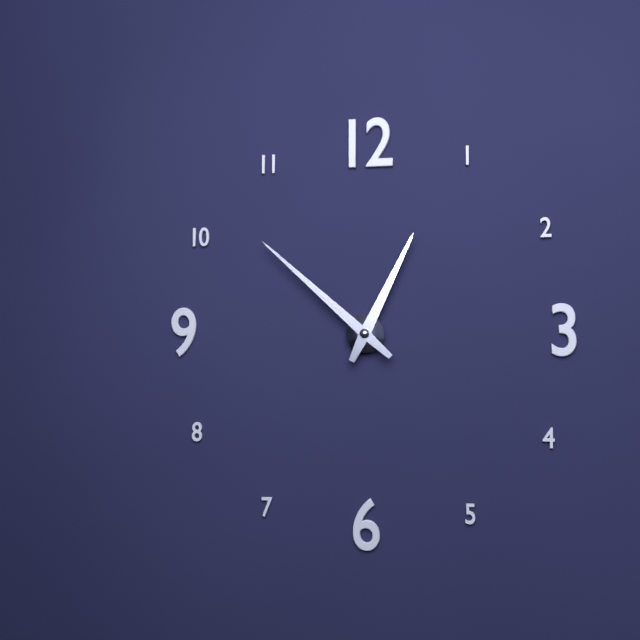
12:52
